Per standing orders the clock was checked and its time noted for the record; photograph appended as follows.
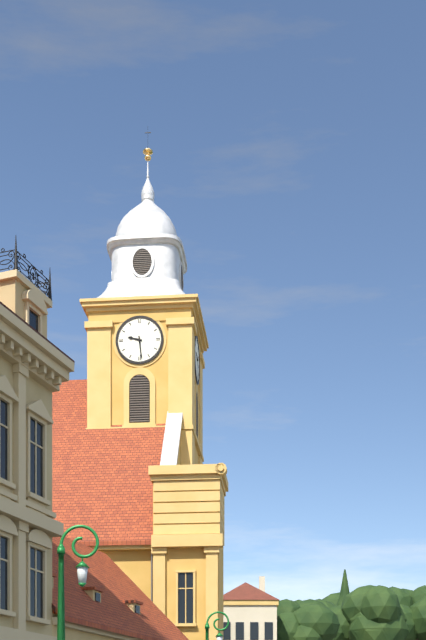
9:29
